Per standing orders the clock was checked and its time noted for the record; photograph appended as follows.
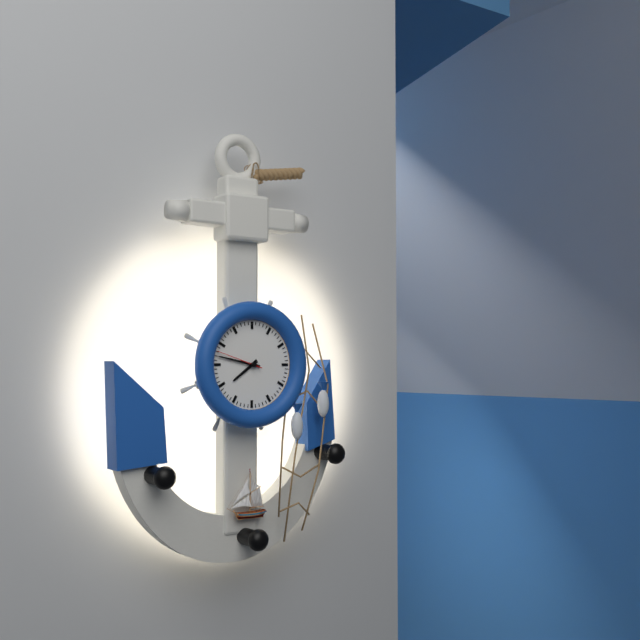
7:47
